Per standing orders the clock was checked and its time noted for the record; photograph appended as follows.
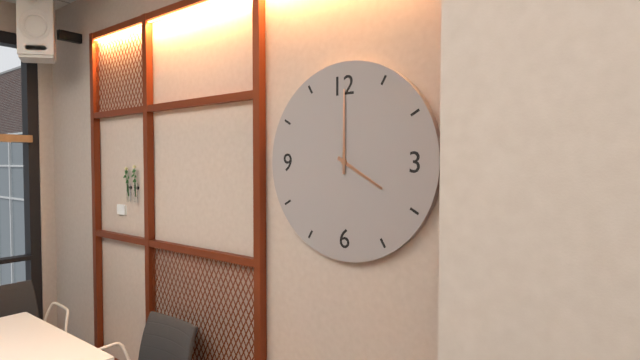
4:00
